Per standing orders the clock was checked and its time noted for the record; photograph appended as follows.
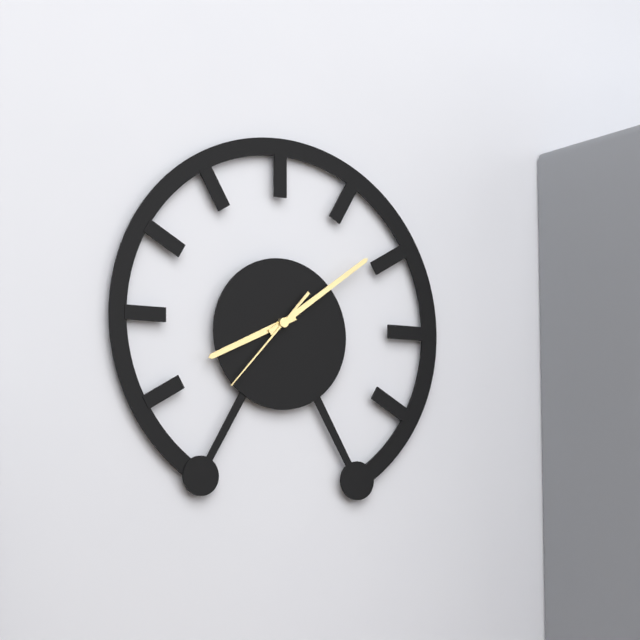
8:09:37
